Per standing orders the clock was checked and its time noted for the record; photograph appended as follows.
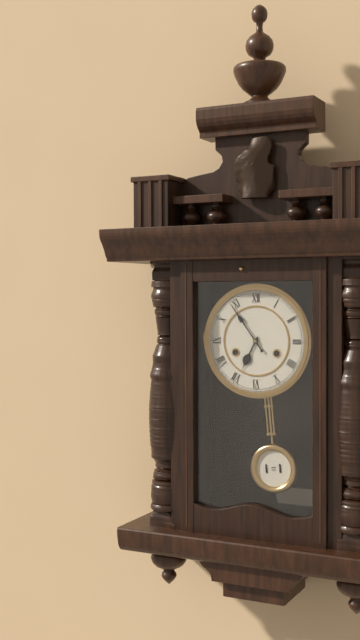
6:54
